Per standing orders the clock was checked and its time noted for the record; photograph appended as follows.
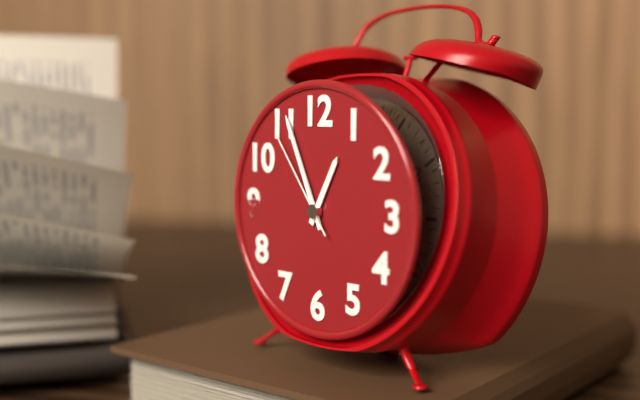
12:56:54
